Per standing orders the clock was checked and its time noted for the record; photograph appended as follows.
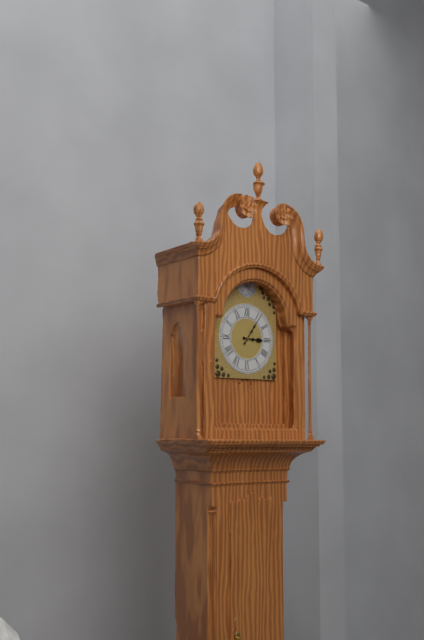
3:06
